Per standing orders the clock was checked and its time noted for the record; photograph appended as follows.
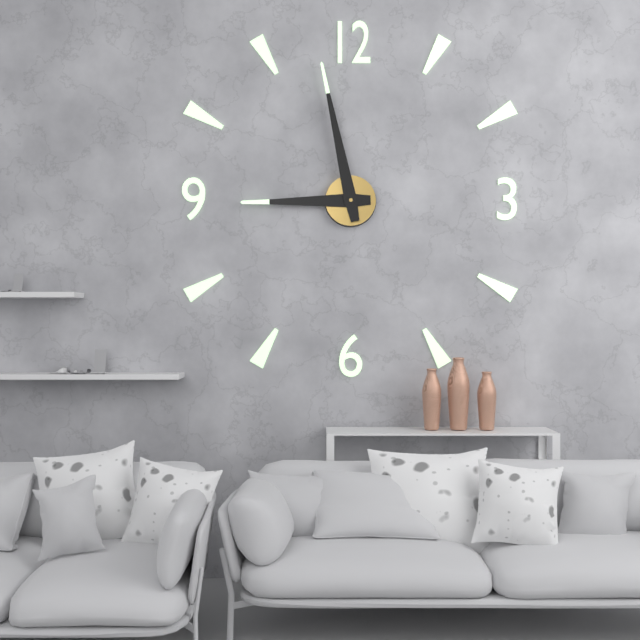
8:58
